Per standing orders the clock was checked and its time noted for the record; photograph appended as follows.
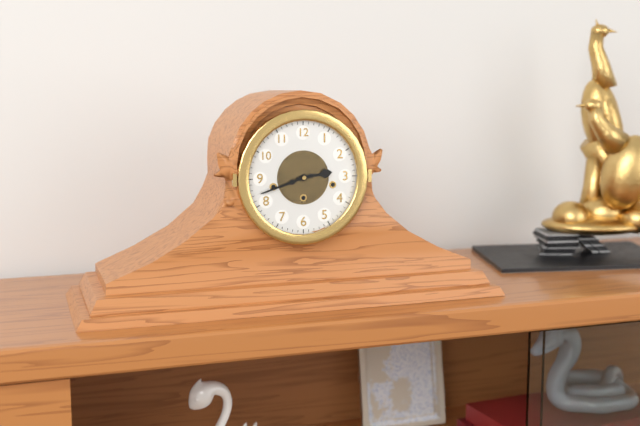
2:42
